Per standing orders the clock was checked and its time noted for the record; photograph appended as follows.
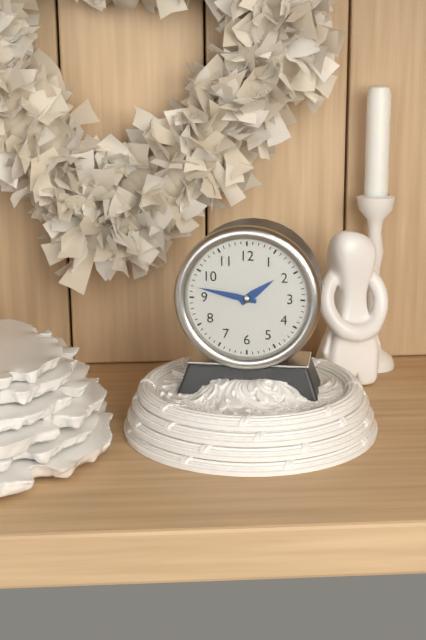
1:47
